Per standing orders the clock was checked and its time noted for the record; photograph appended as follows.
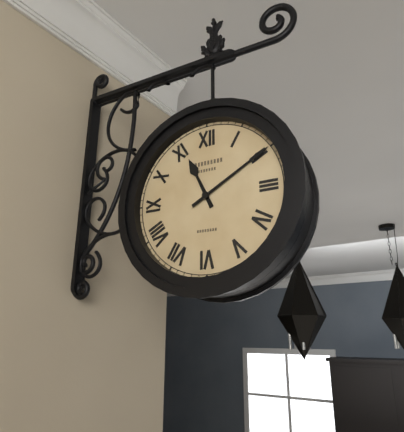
11:10
